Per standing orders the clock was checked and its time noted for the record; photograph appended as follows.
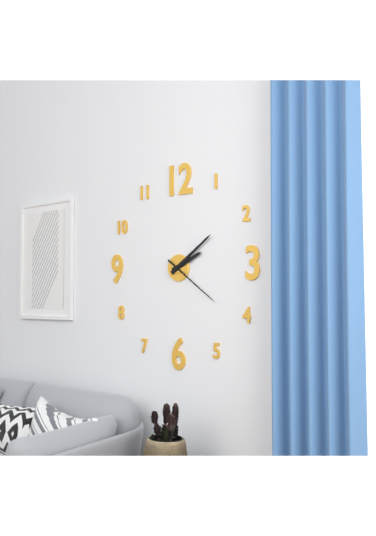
2:09:21
